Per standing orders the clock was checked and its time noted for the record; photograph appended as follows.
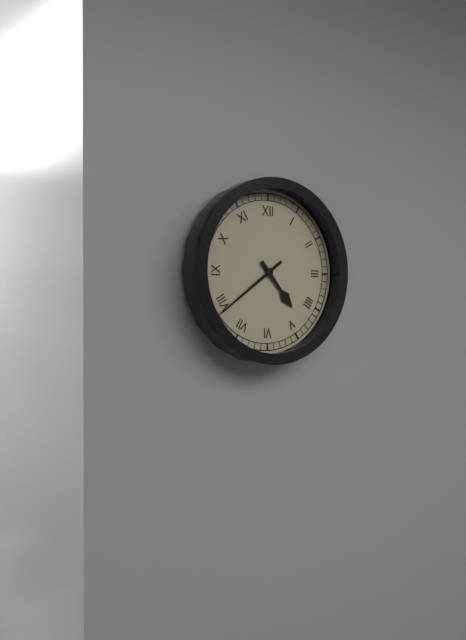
4:39
